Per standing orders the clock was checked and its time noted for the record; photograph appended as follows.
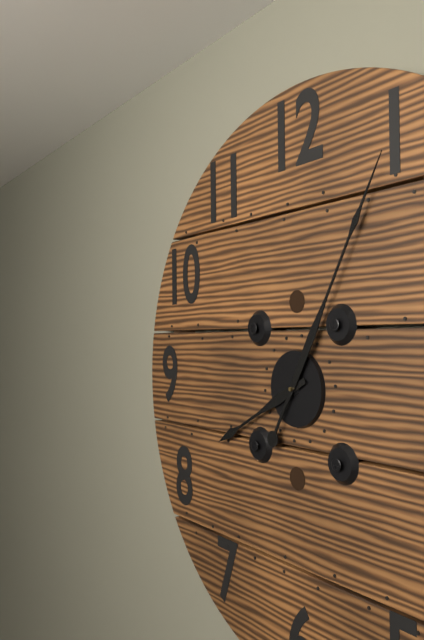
8:05
